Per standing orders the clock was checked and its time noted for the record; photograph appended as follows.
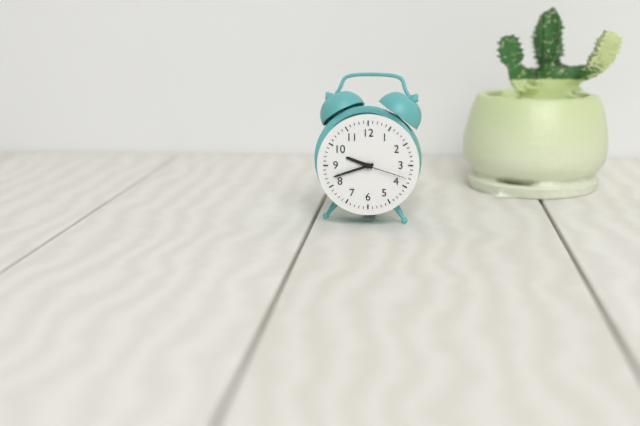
9:42:18
